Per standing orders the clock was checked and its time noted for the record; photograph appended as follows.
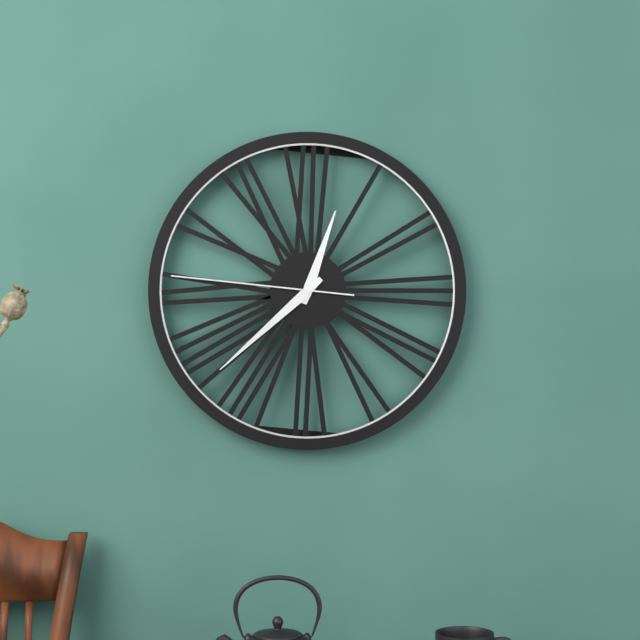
12:38:46
